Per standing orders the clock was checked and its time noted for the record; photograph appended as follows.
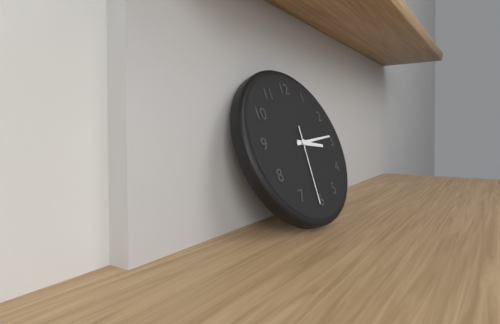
3:14:31
